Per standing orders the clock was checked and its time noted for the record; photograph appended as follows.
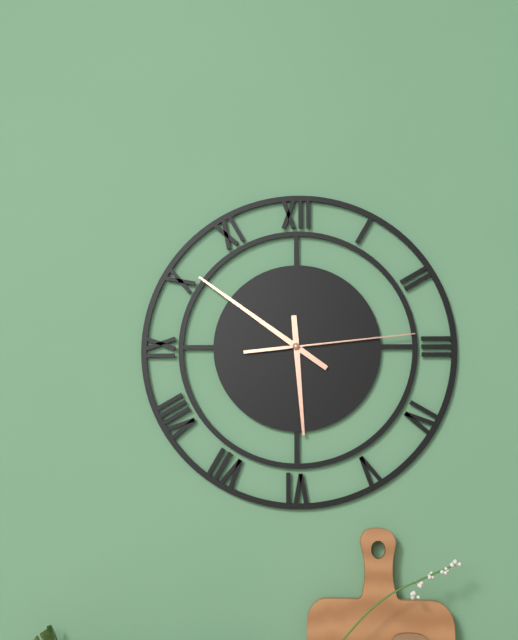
5:51:14
